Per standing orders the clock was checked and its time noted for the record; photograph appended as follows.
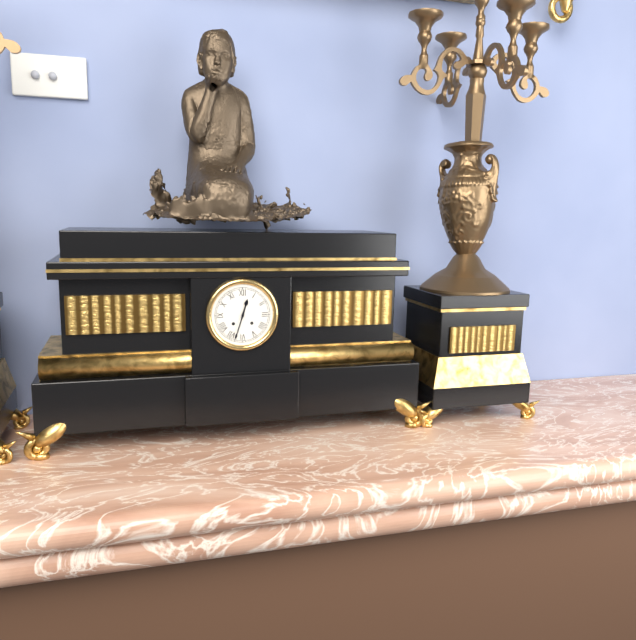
12:33
